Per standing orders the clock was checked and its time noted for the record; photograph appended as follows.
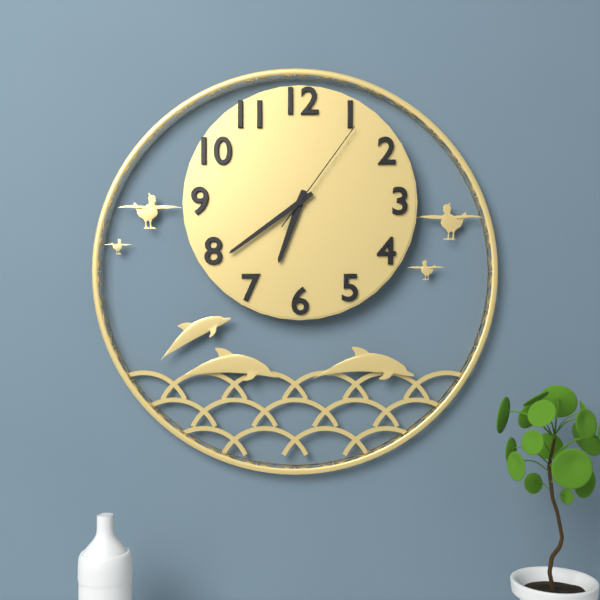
6:39:06
